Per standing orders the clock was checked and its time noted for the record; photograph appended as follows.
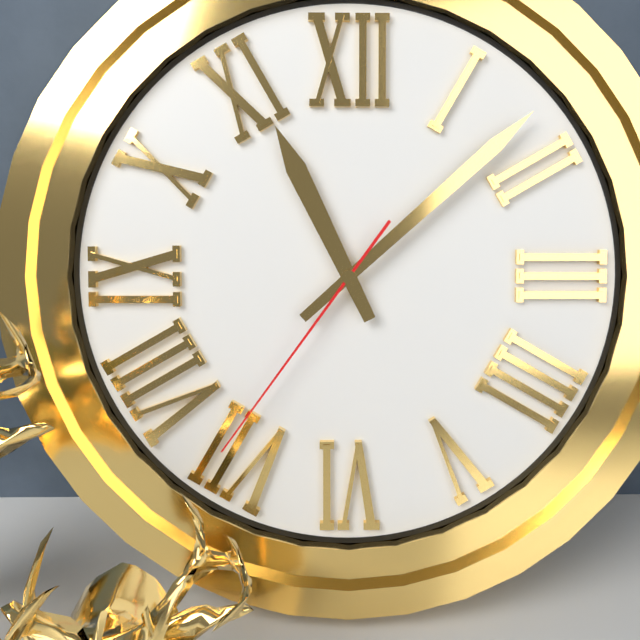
11:08:36
